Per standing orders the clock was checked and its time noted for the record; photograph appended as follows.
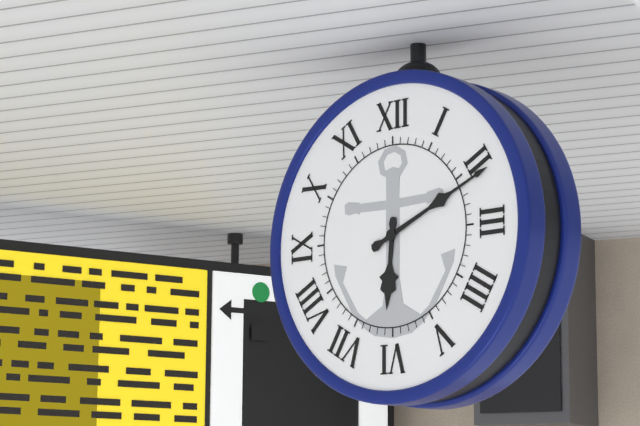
6:11
